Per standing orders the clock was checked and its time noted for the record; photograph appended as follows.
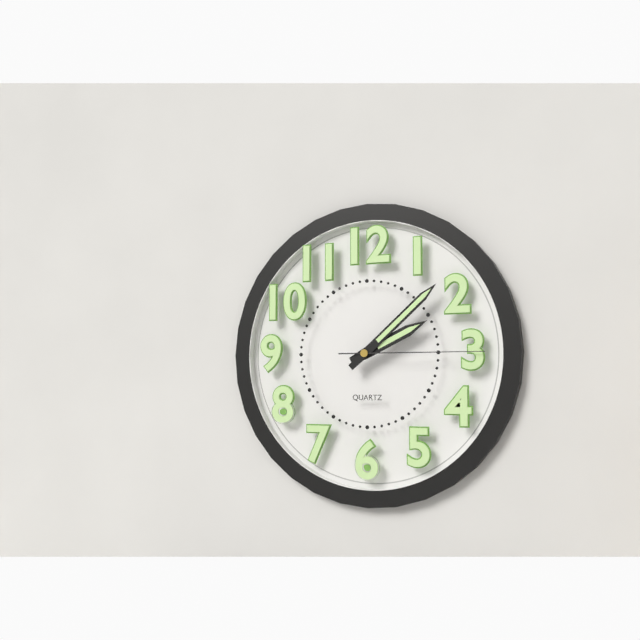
2:08:15
